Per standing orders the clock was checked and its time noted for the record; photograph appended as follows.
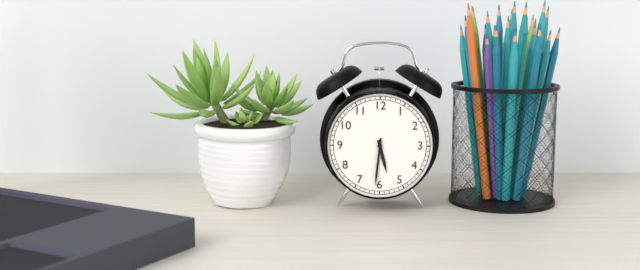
5:31
